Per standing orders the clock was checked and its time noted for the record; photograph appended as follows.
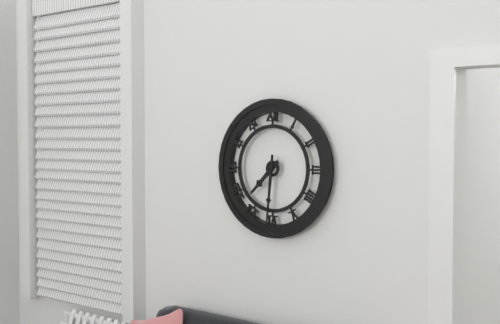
7:31
